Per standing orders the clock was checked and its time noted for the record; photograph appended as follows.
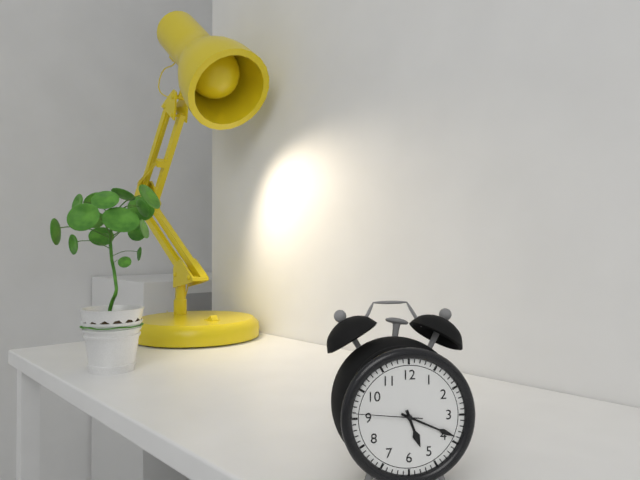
5:19:46
